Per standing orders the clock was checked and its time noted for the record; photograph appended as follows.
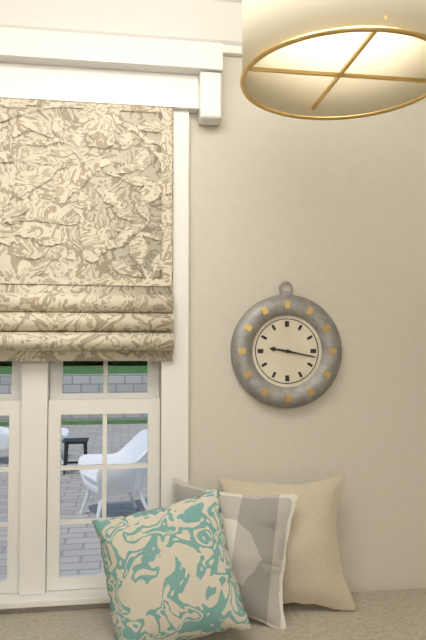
9:17
